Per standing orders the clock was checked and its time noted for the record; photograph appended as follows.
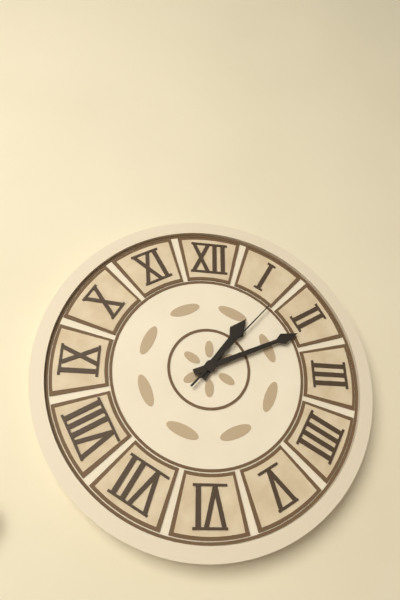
1:11:07
